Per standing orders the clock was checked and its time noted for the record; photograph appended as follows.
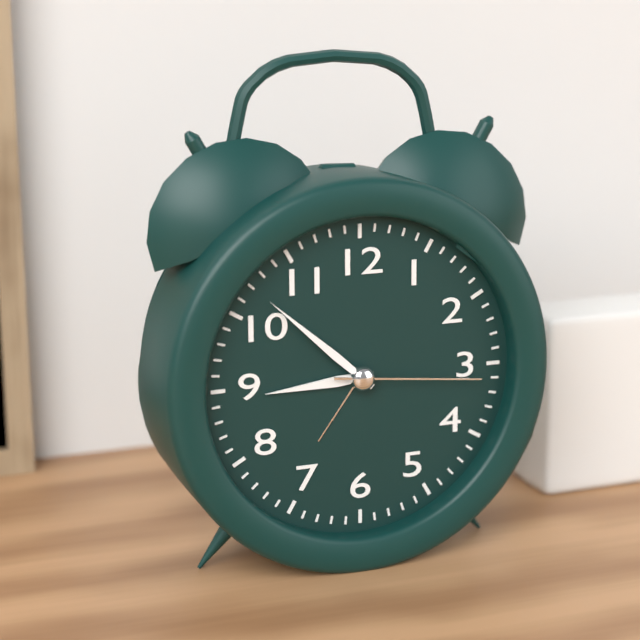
8:52:16
